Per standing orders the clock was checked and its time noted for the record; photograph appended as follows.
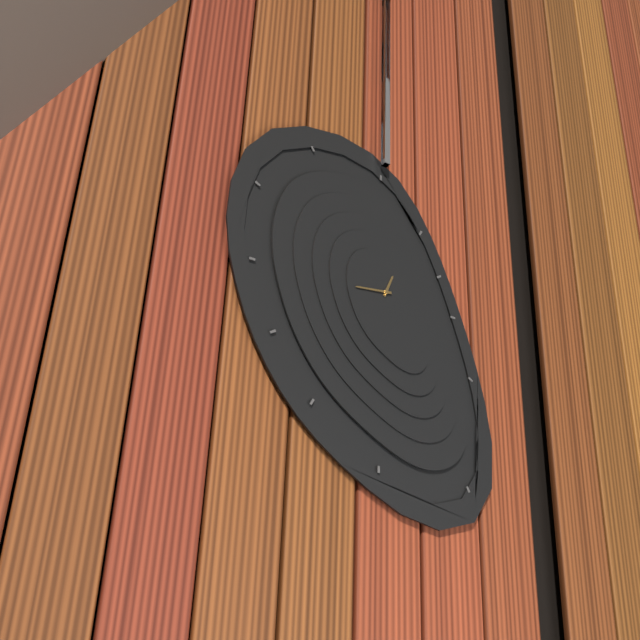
12:44
